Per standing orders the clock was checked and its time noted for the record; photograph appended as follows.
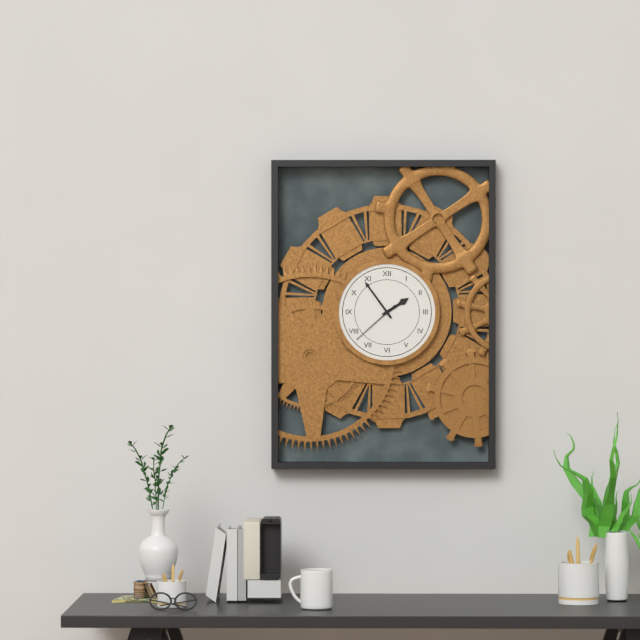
1:54:38
